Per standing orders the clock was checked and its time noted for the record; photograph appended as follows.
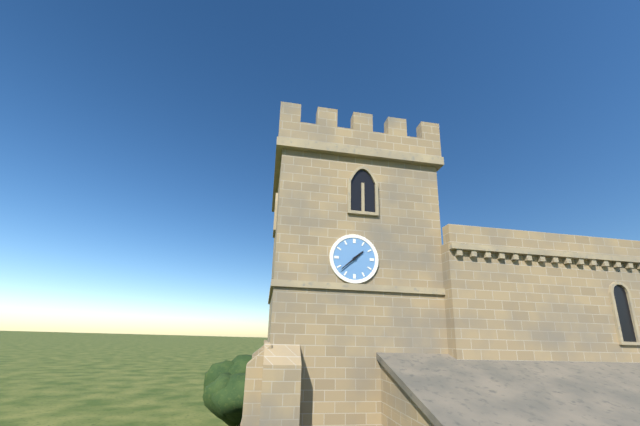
1:38
